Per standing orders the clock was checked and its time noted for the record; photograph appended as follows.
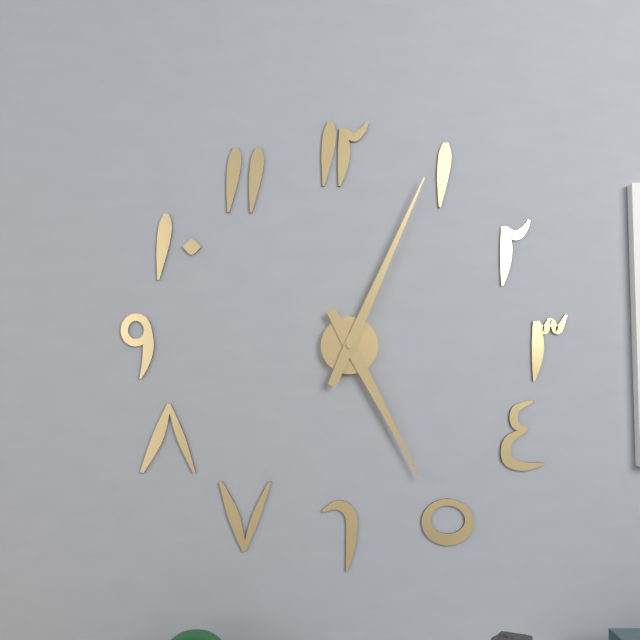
5:04
